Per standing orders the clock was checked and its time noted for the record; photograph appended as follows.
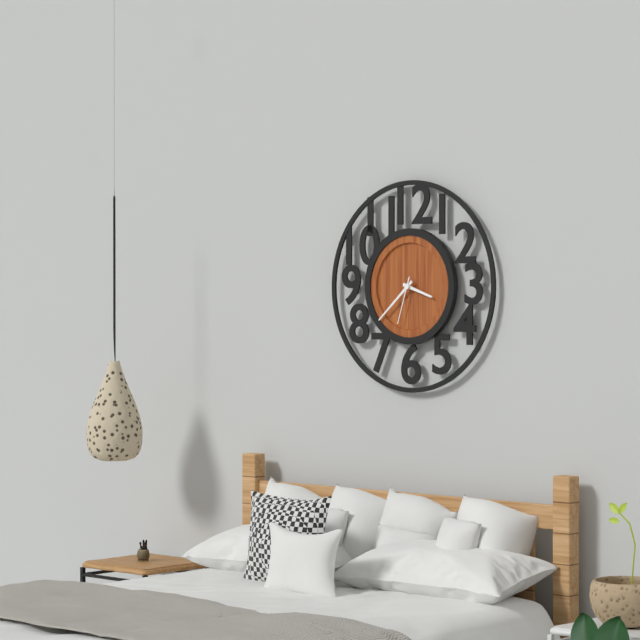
3:38
